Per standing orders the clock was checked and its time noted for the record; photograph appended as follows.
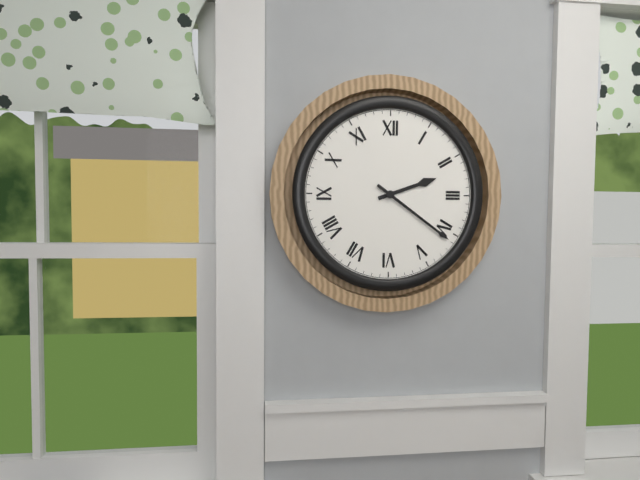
2:21
